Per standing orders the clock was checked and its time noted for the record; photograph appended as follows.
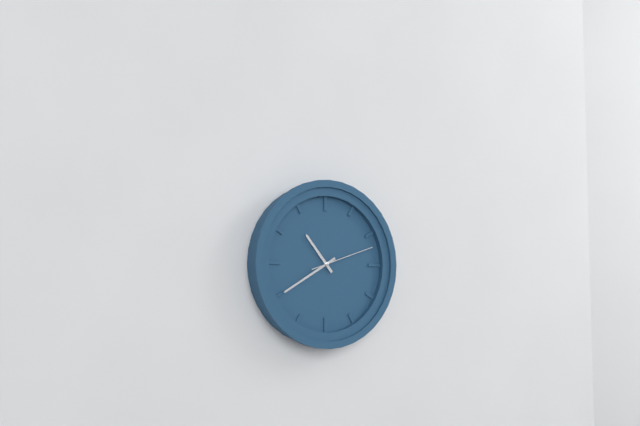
10:40:12
